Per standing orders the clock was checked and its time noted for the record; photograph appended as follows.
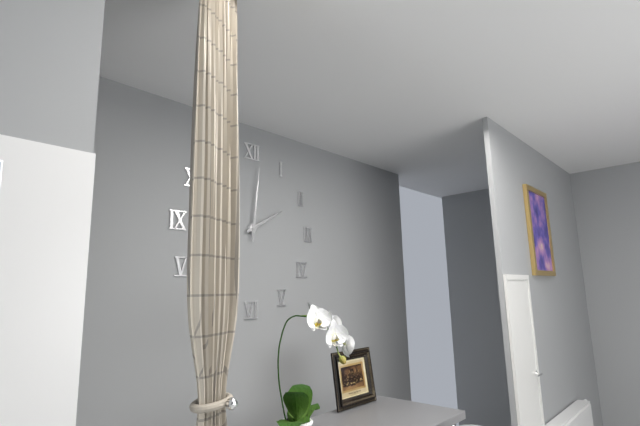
2:01
